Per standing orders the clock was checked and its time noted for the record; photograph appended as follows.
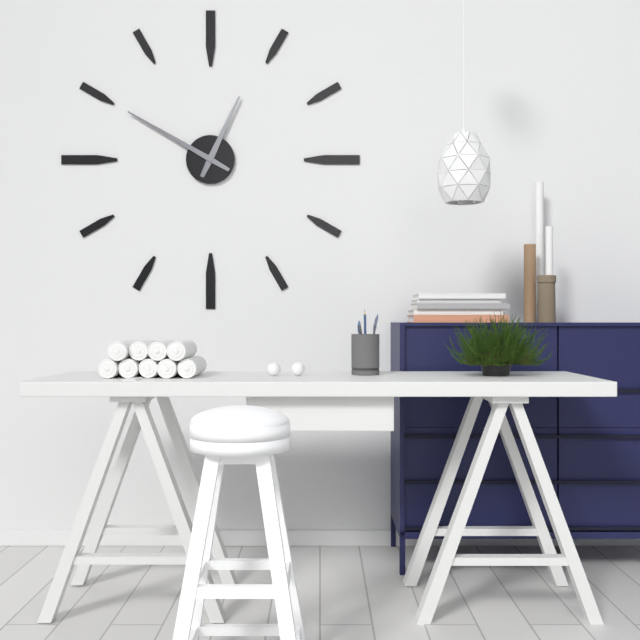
12:50
